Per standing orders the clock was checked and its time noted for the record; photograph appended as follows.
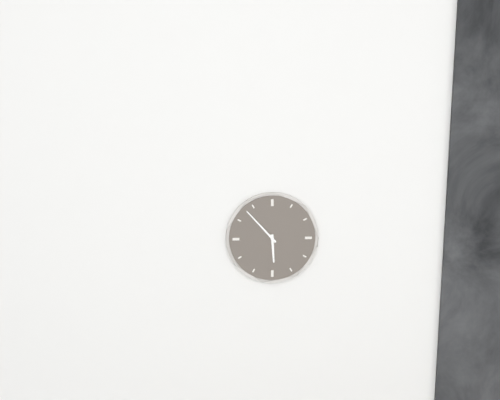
5:53
